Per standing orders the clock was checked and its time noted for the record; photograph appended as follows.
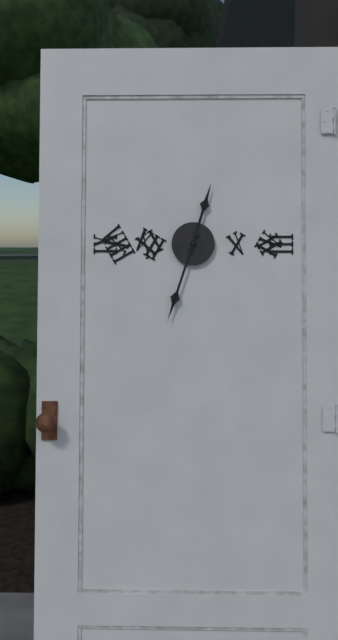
12:33
